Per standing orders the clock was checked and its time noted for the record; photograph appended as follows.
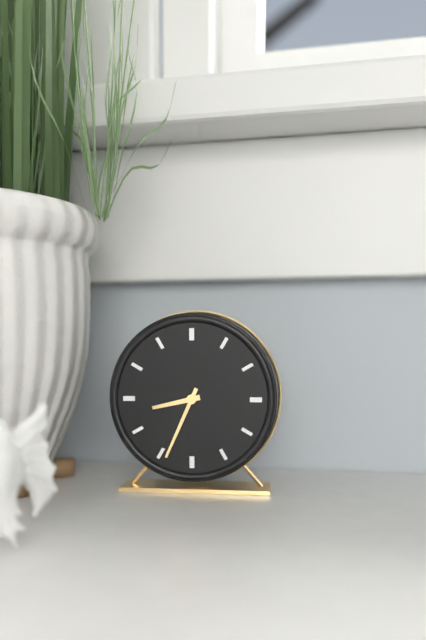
8:34
